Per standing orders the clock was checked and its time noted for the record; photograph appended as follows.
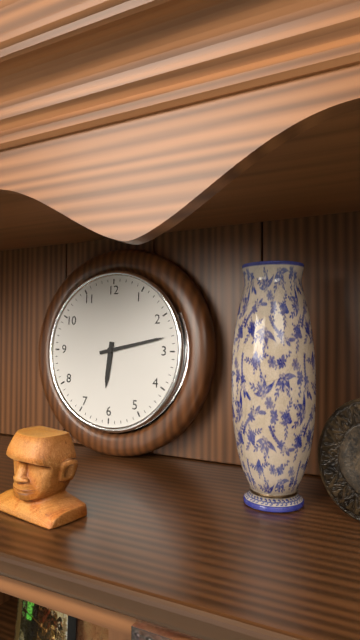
6:13
